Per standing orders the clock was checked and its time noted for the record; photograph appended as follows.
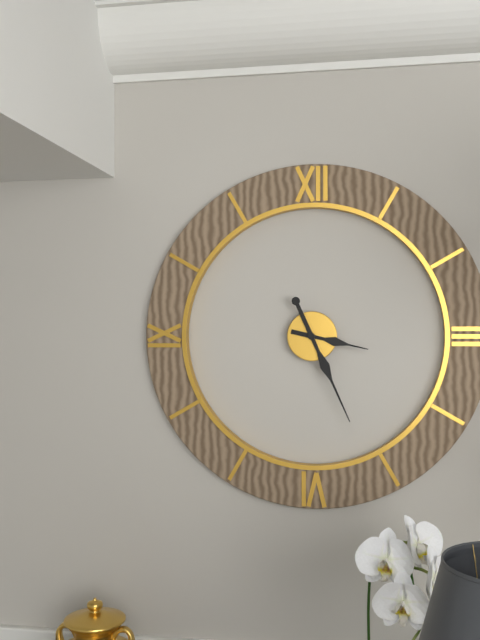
3:26
